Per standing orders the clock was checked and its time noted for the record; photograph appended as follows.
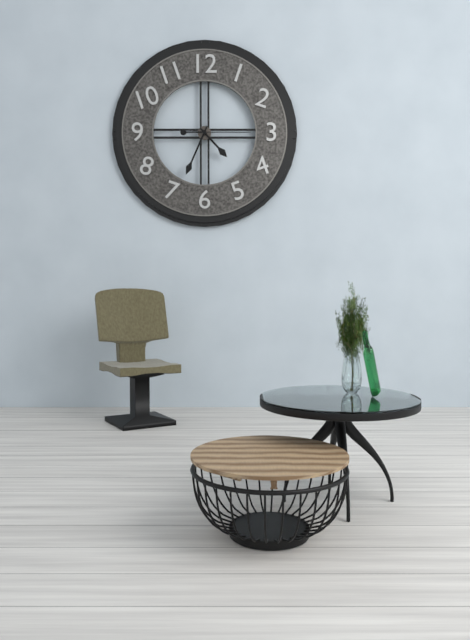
4:34:15
